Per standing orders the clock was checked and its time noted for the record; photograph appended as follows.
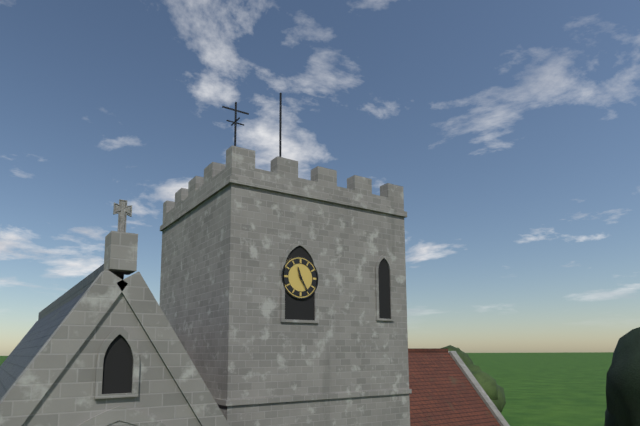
11:25
